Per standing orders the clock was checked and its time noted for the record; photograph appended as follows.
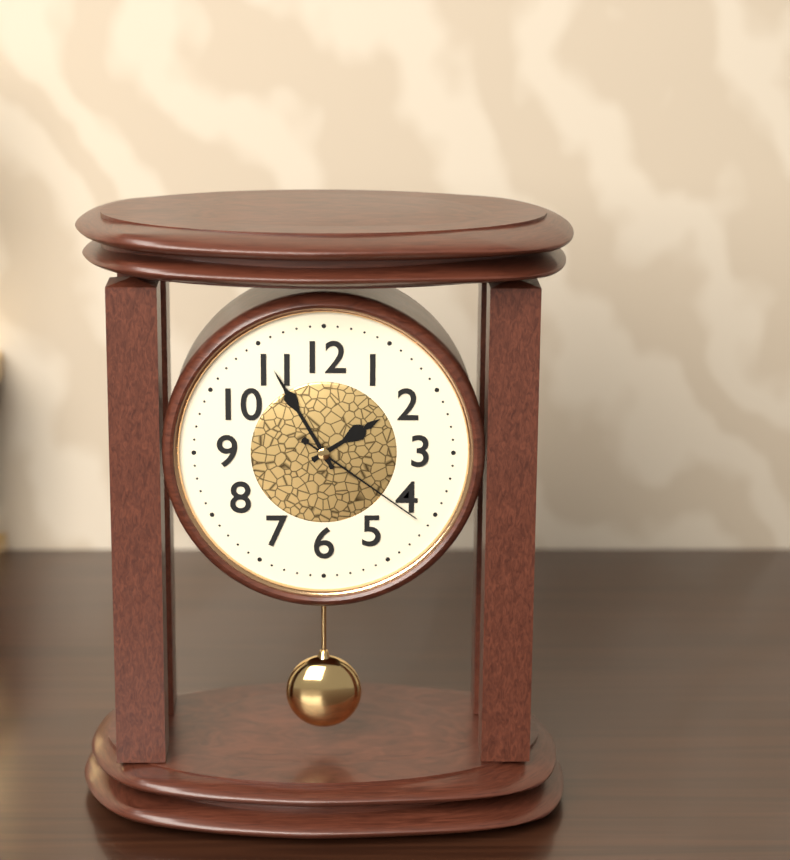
1:55:21
